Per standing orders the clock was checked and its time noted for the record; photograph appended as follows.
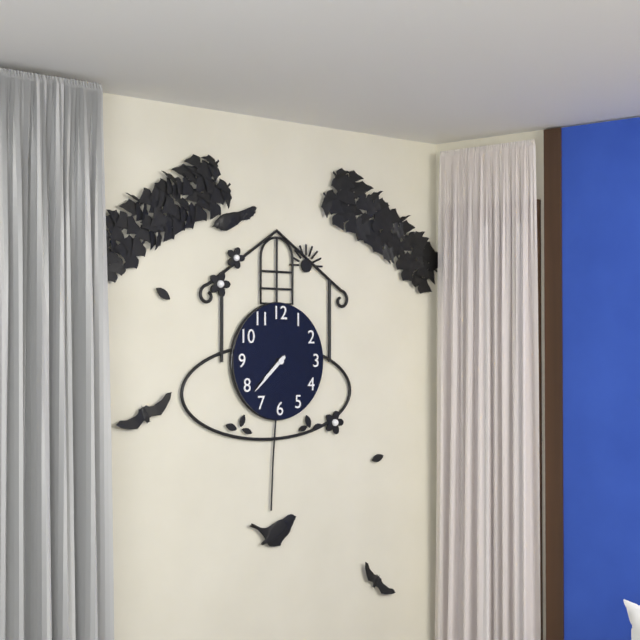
7:38
